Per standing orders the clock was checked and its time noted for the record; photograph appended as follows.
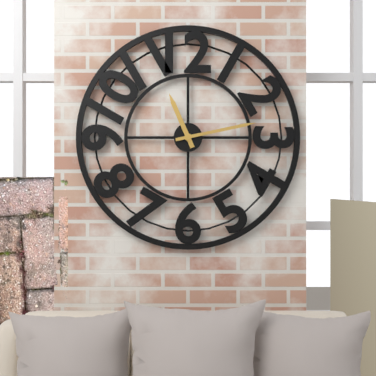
11:13
